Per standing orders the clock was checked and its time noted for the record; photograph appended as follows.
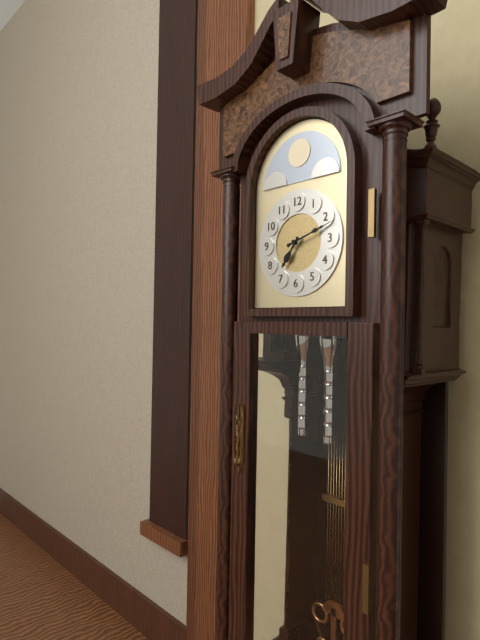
7:12
